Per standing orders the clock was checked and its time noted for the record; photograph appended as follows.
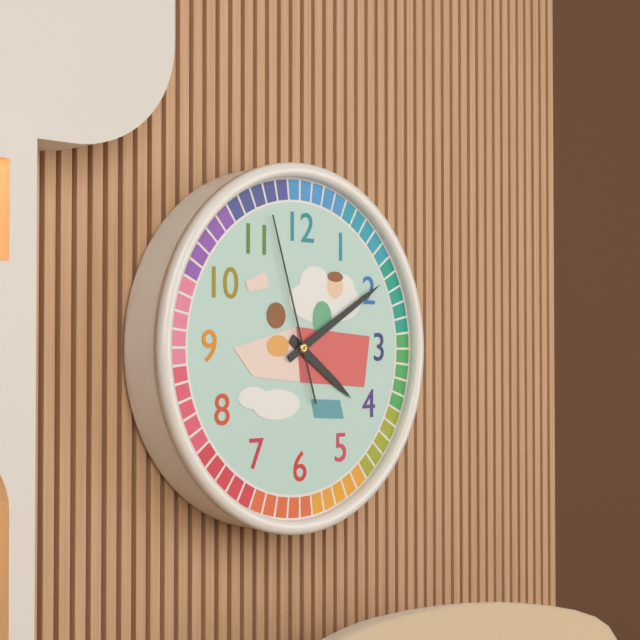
4:10:57
